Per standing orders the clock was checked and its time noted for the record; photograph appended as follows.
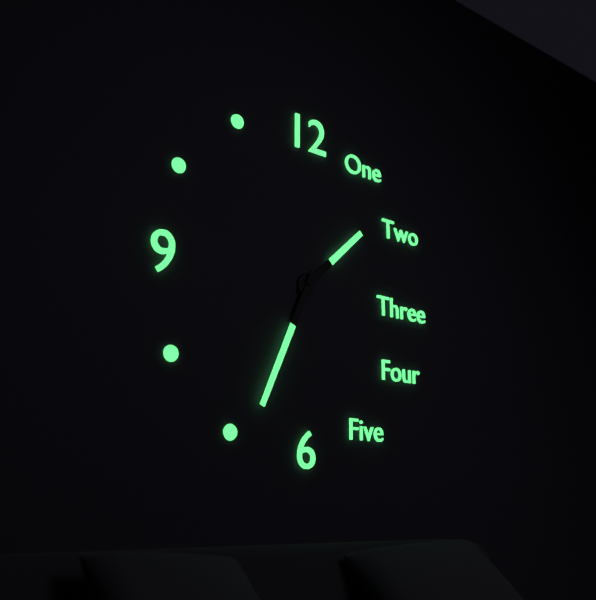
1:34
